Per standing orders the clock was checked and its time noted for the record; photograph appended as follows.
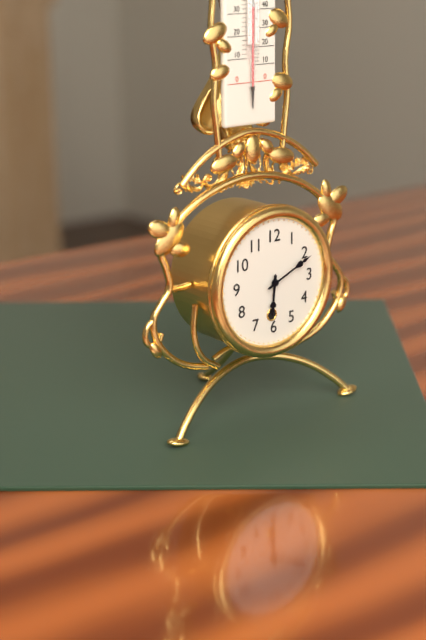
6:11
